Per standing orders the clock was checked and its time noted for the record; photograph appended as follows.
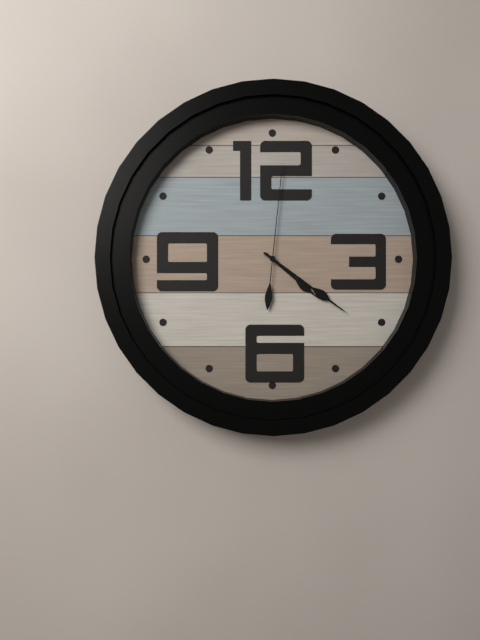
4:21:01
